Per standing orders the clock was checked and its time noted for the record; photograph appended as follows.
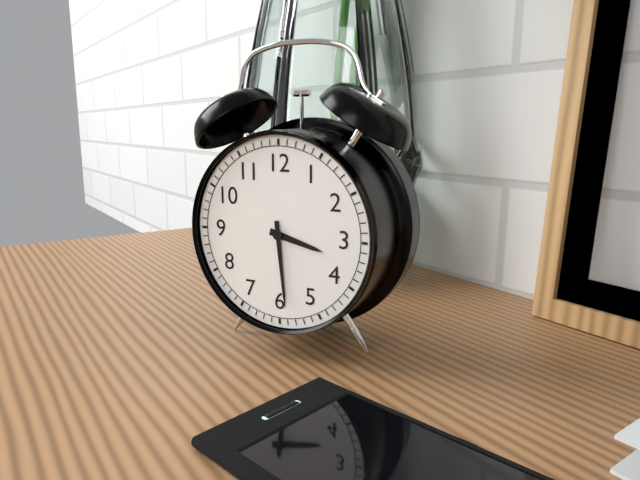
3:29
